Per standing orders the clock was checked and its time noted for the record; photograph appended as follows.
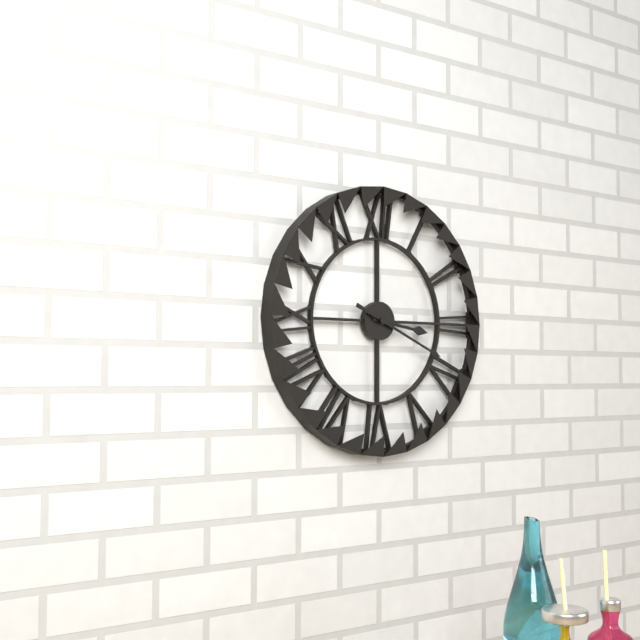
3:19
